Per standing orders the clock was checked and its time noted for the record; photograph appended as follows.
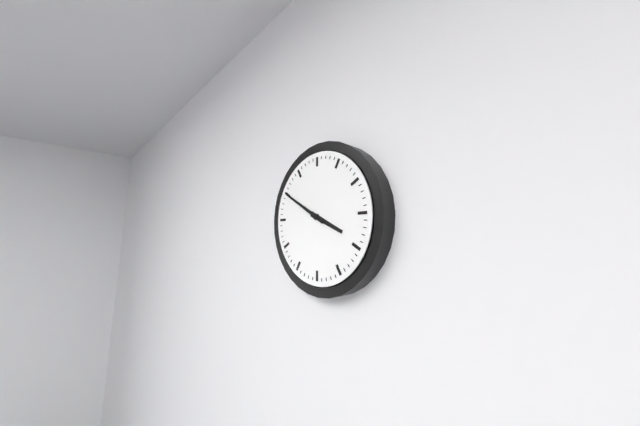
3:50
